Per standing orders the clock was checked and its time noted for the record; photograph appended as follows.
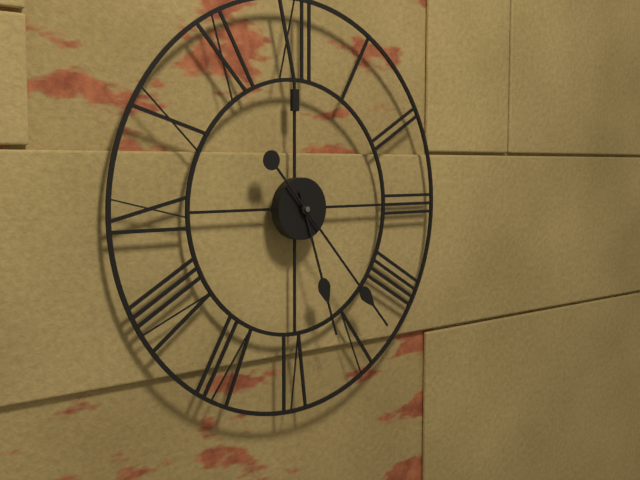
5:23
